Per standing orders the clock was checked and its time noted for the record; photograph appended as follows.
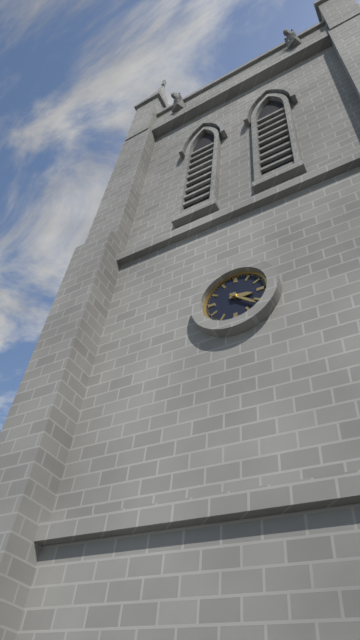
3:22
